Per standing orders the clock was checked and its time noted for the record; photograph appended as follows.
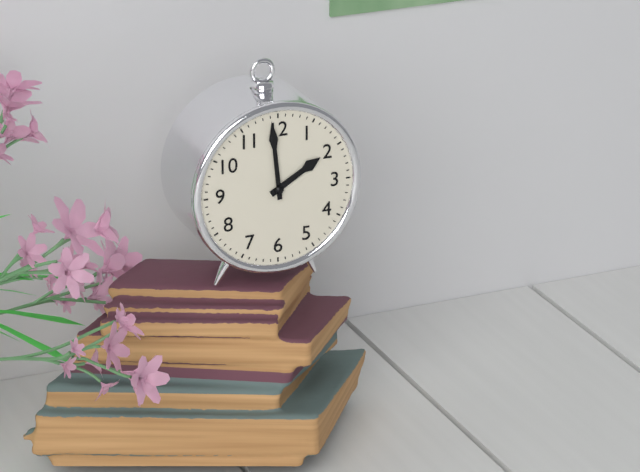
1:59
